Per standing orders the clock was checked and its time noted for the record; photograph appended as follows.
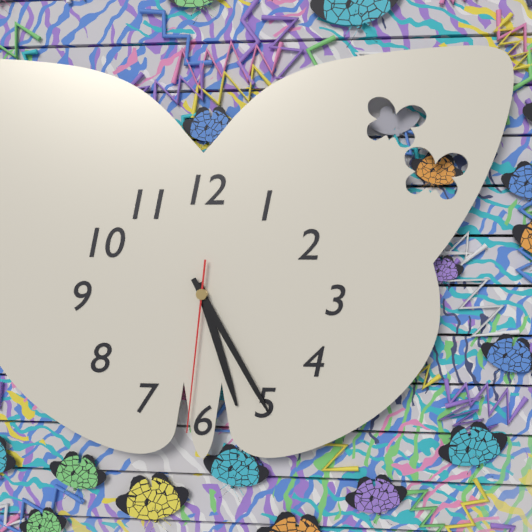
5:25:31
